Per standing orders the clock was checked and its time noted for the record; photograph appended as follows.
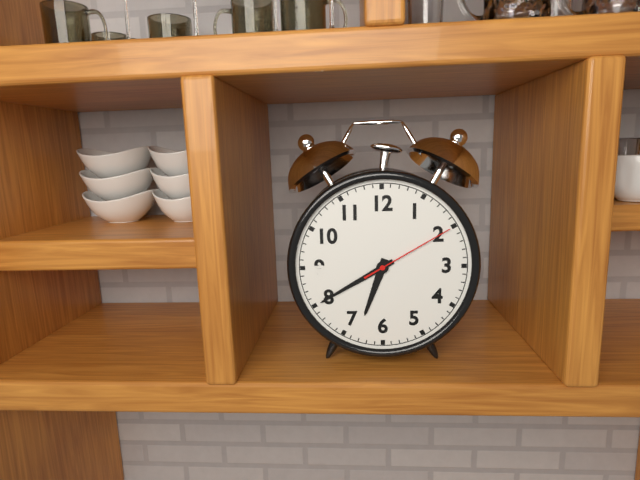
6:40:10
